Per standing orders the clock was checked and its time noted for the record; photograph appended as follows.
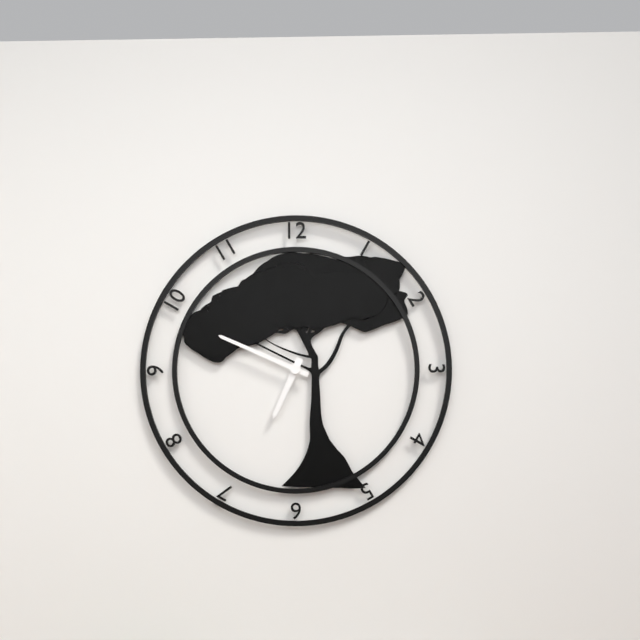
6:49
